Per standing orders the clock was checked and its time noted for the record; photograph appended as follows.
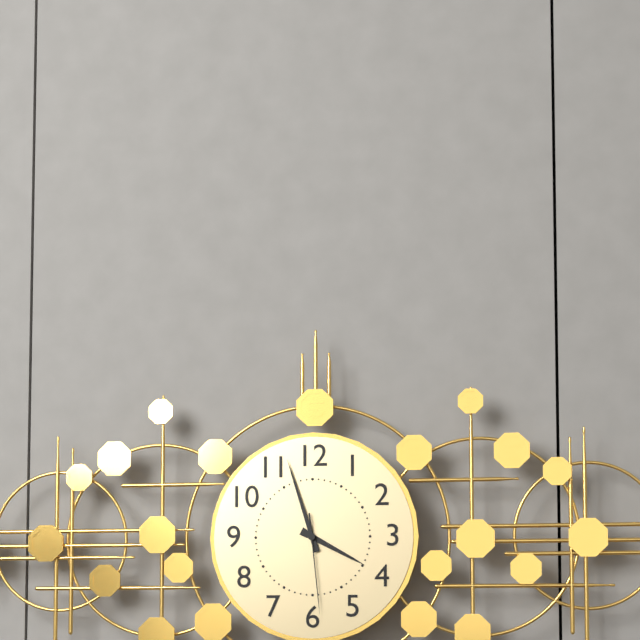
3:57:29
